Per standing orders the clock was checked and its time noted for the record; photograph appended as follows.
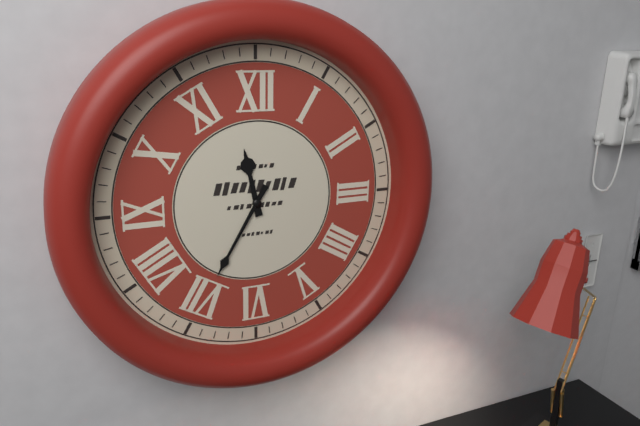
11:35
